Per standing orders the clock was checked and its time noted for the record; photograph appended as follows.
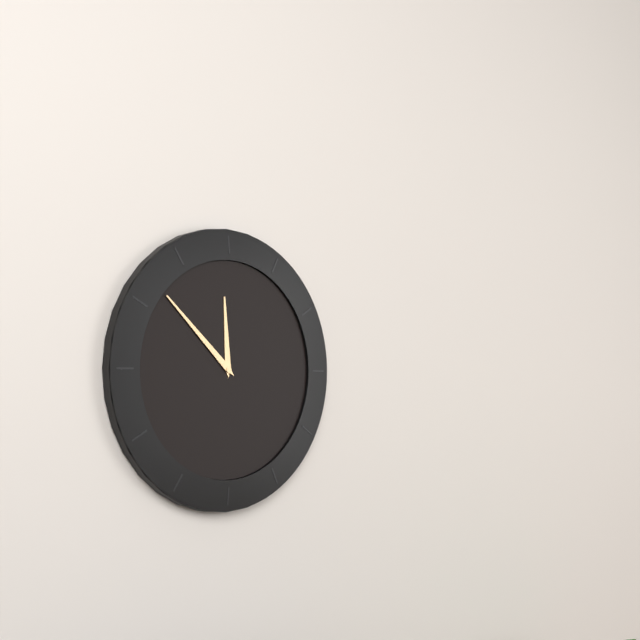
11:52
